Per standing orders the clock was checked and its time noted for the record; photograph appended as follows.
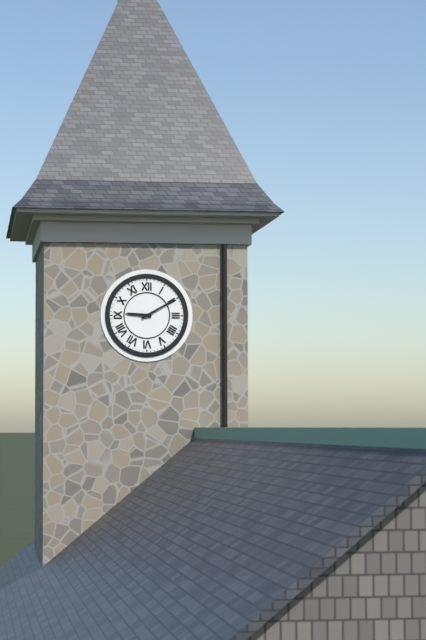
9:10
